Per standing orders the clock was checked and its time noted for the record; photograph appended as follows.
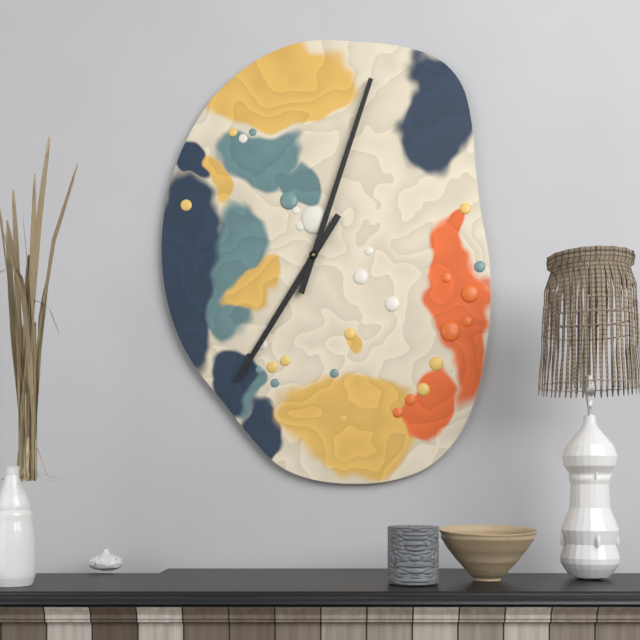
7:03
